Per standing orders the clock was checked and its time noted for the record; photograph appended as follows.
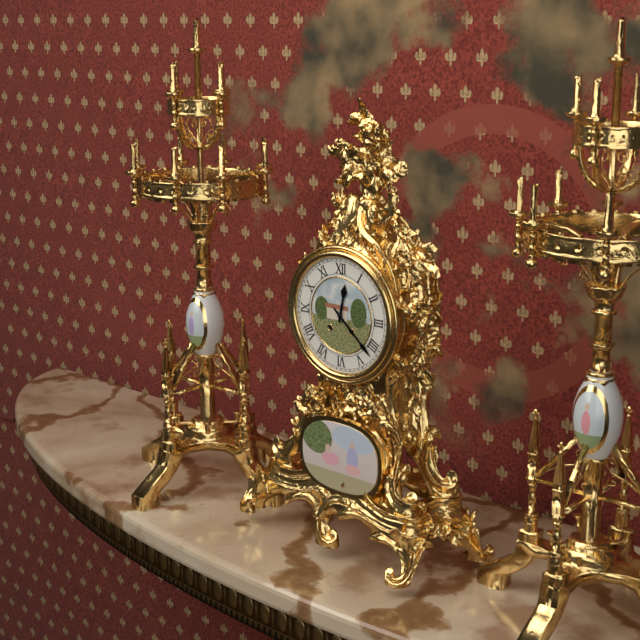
12:22
